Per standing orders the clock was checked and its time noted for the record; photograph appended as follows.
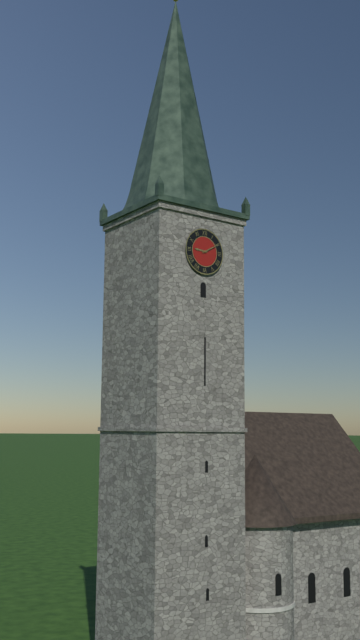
9:10
